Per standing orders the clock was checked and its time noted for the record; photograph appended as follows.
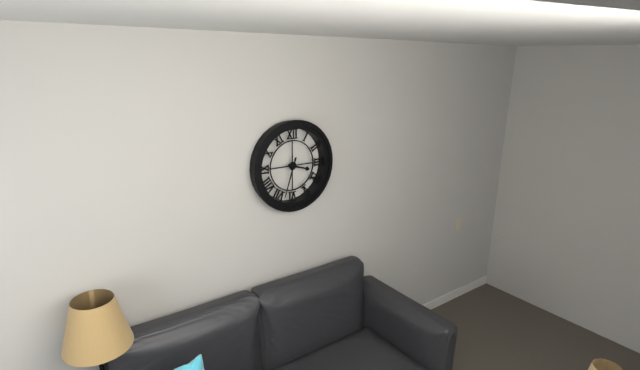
3:33
